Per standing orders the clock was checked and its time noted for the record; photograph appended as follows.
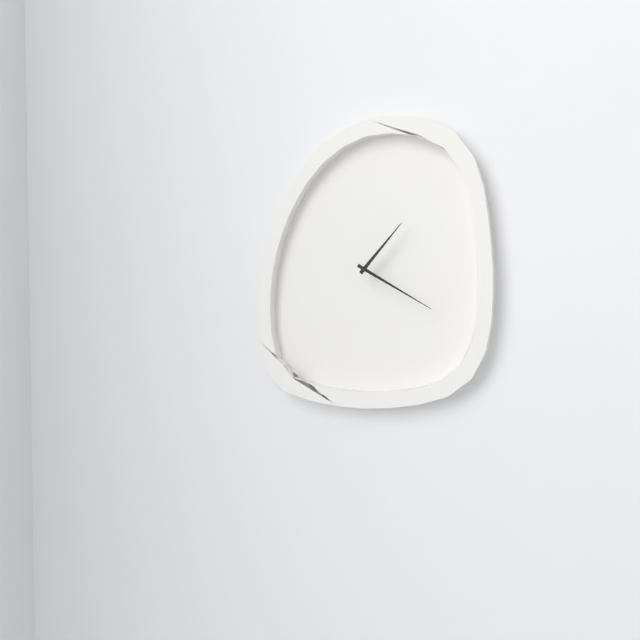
1:20
